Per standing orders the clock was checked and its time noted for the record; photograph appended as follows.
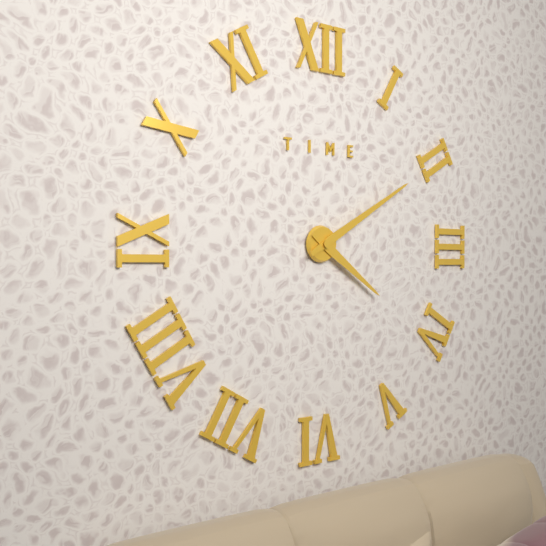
4:10
